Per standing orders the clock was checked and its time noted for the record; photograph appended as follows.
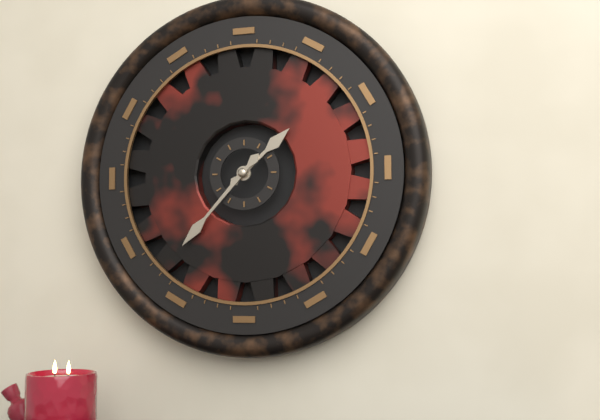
1:37
